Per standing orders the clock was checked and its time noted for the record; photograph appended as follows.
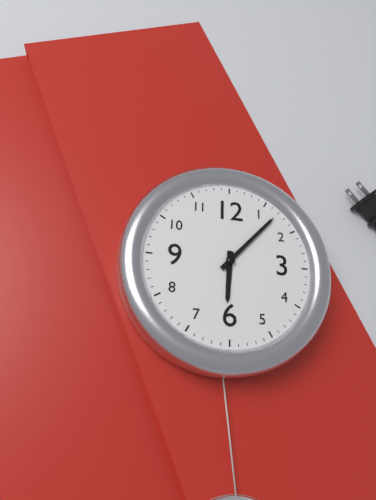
6:07
